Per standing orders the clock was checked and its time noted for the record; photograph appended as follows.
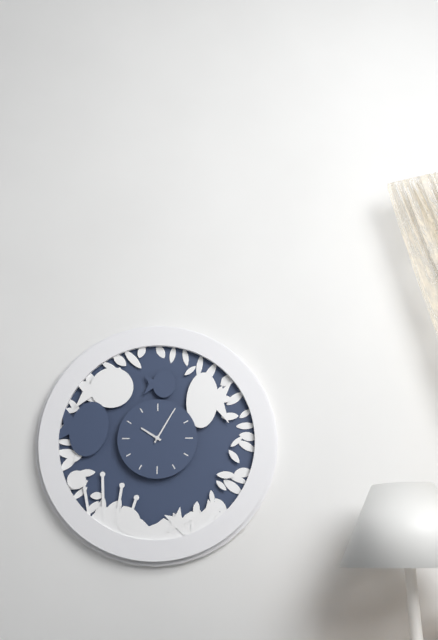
10:05
